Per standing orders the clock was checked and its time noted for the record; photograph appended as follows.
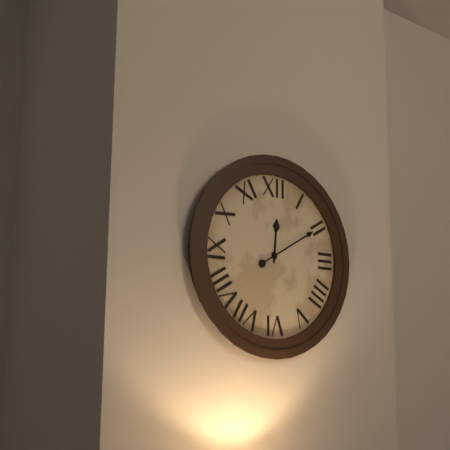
12:10
